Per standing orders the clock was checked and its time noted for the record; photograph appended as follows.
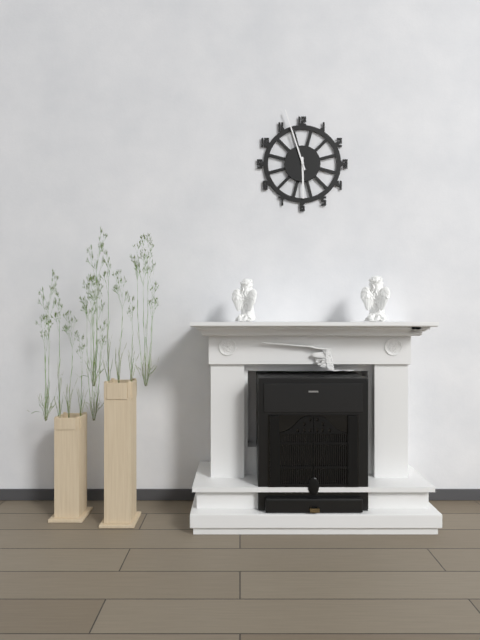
5:57
